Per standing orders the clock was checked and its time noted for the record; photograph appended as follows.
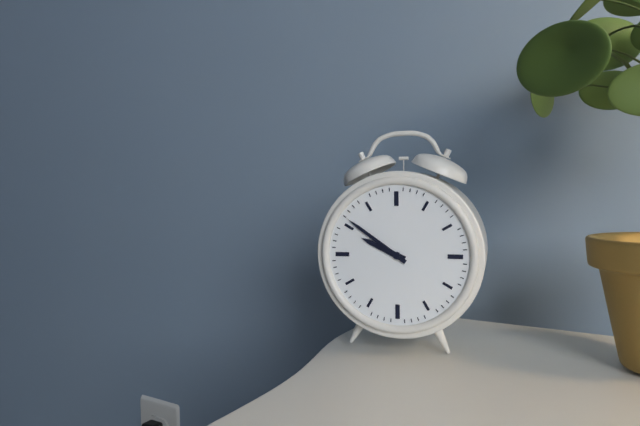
9:51
